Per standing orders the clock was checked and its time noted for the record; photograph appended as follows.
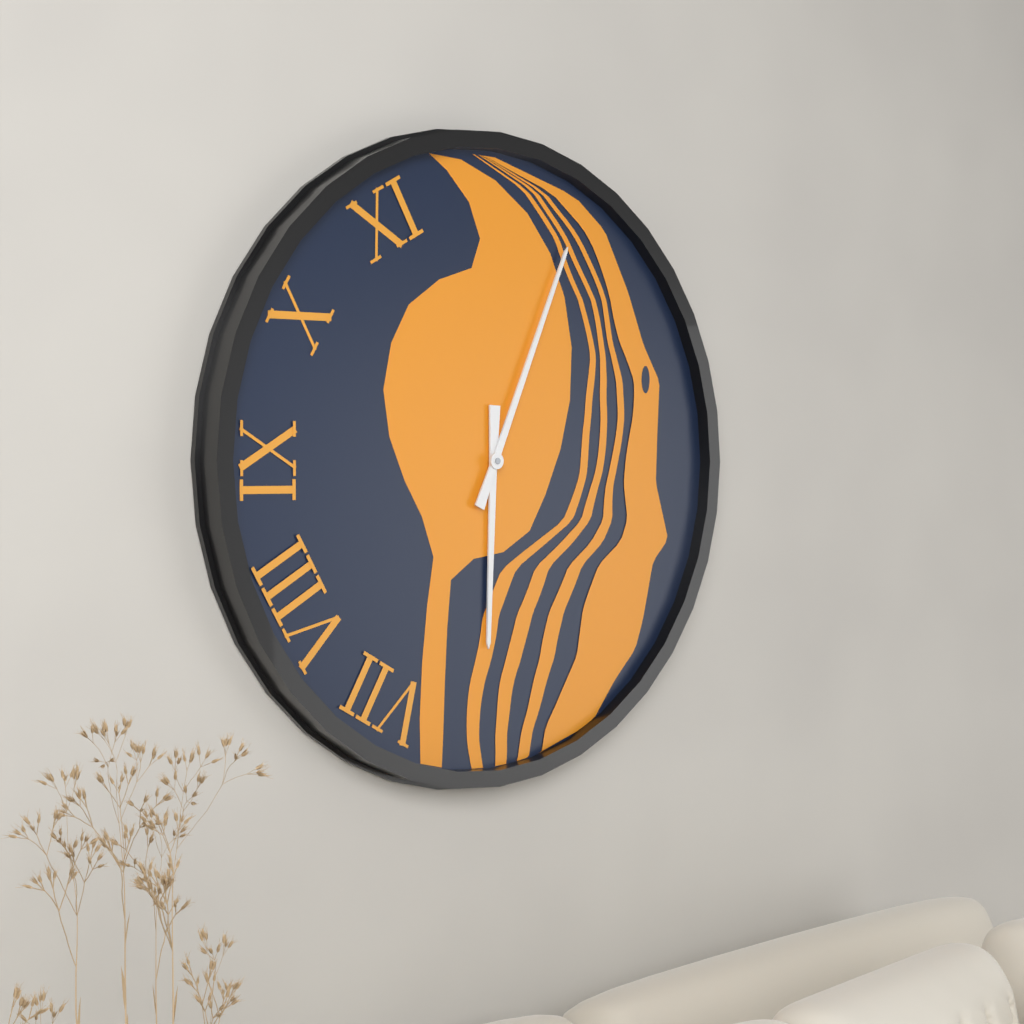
6:04
